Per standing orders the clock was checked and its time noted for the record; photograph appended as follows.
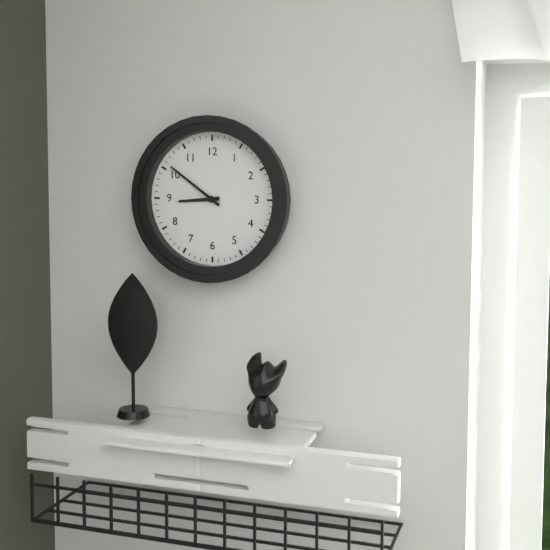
8:51
